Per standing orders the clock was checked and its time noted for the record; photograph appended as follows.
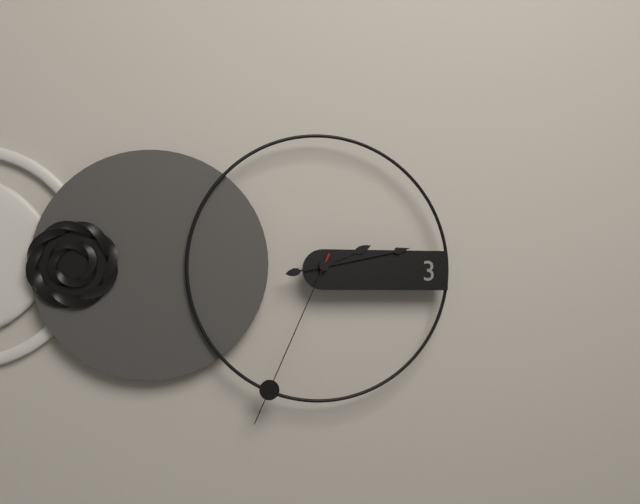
2:13:34
